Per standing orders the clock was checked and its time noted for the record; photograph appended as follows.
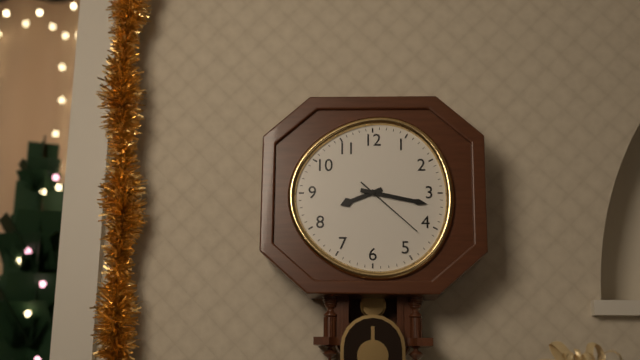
8:17:22
